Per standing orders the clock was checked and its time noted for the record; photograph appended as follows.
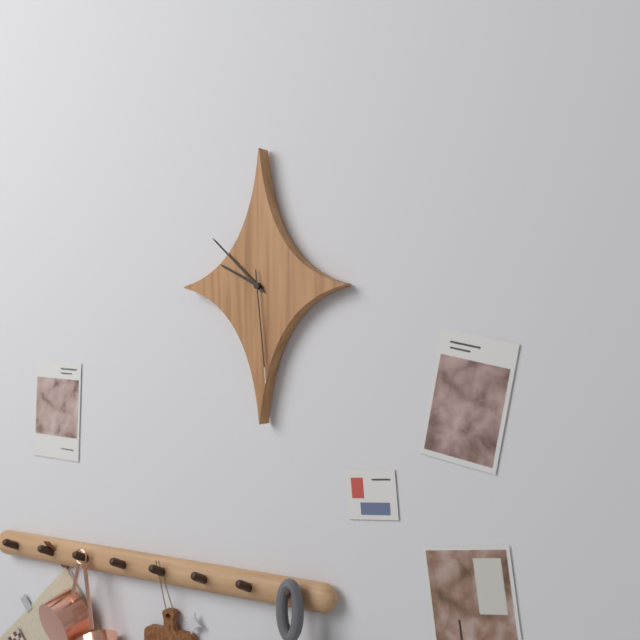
9:52:29
